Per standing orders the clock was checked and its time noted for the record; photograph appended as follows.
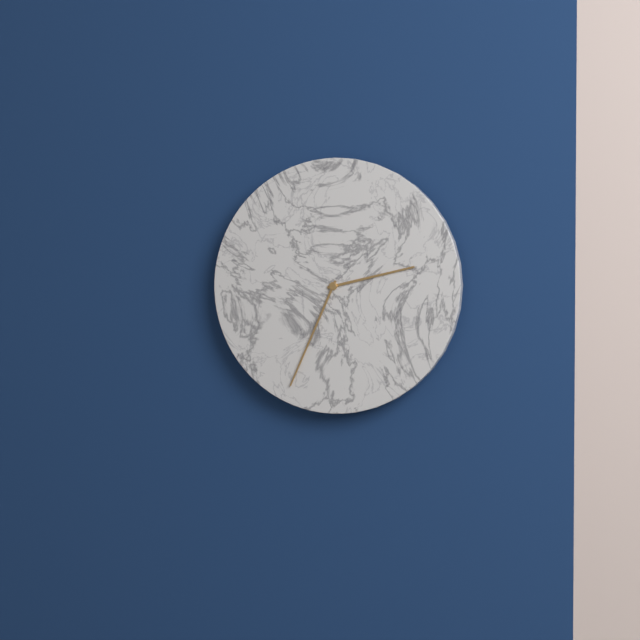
2:34
